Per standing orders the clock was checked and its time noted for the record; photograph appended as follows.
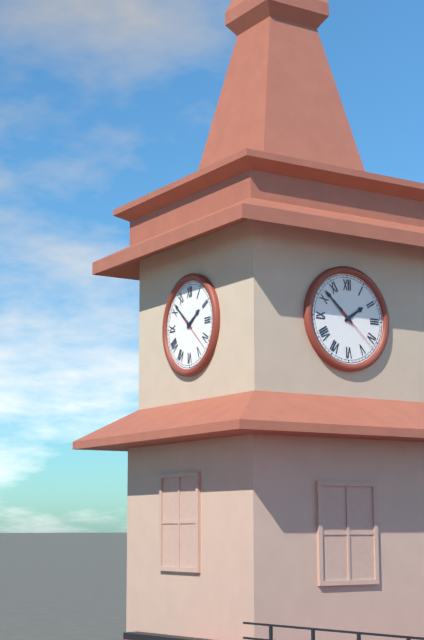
1:52
